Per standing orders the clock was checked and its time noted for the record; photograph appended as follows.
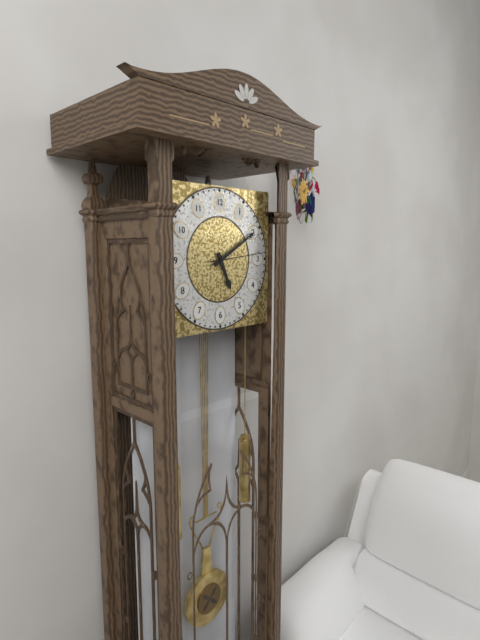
5:10:14
